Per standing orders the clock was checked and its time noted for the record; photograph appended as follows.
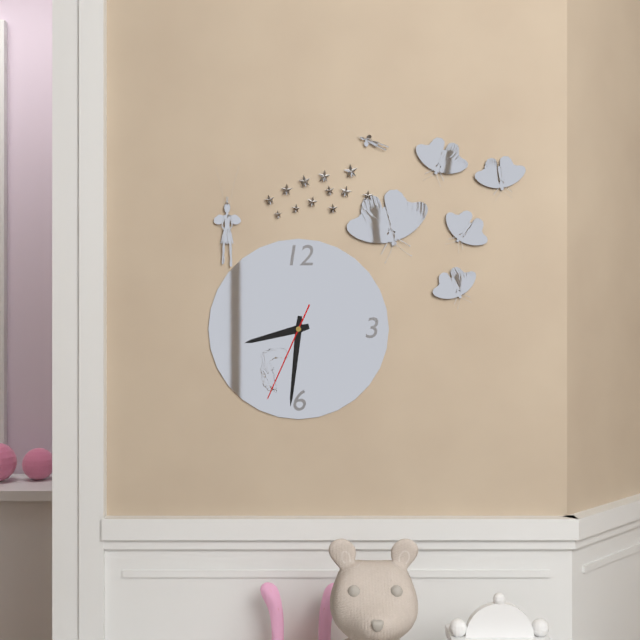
8:31:34
